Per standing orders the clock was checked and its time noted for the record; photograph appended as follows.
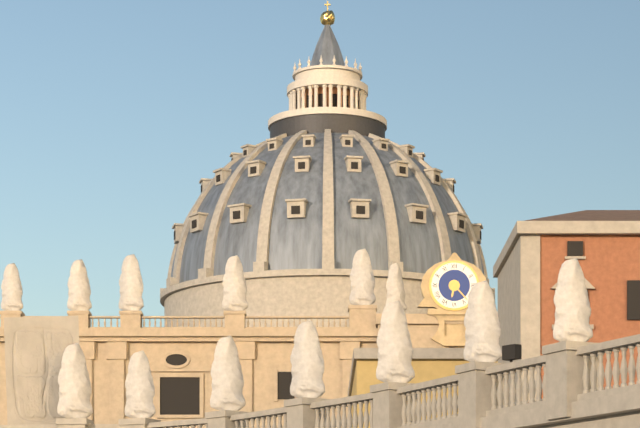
6:23
